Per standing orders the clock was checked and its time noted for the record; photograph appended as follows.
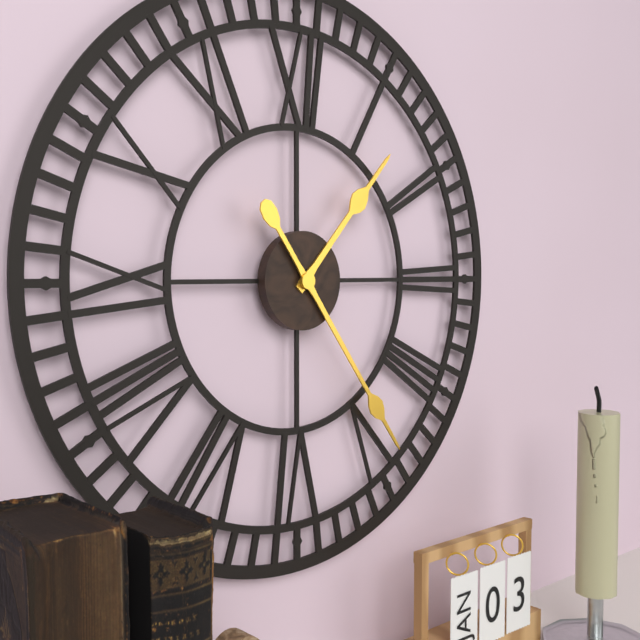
1:24
